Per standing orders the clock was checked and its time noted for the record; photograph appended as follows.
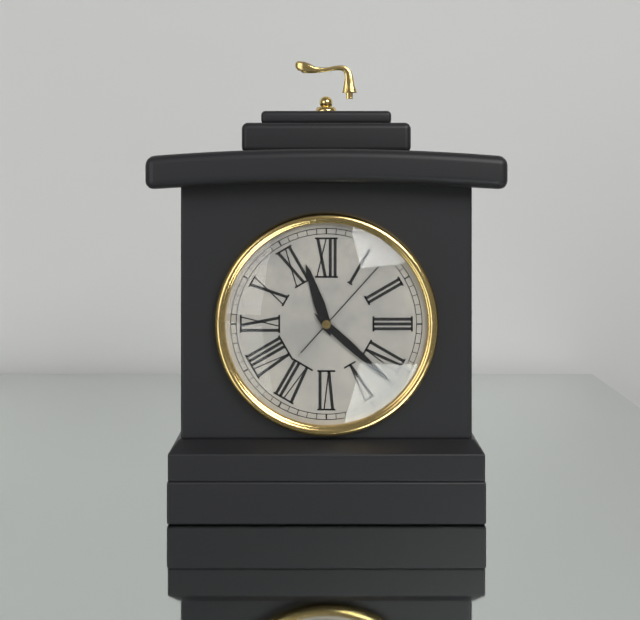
11:22:07
